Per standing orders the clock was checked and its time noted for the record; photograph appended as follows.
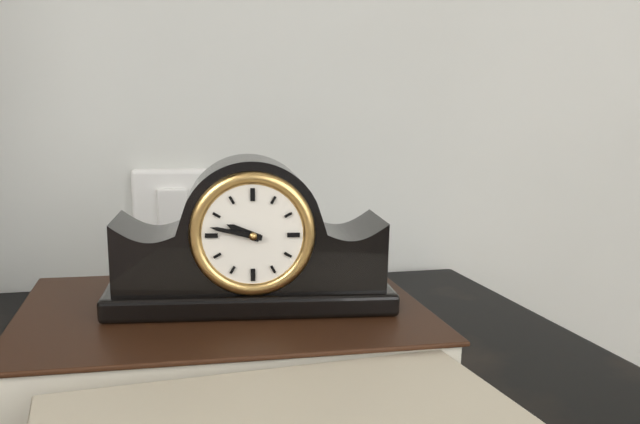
9:47
